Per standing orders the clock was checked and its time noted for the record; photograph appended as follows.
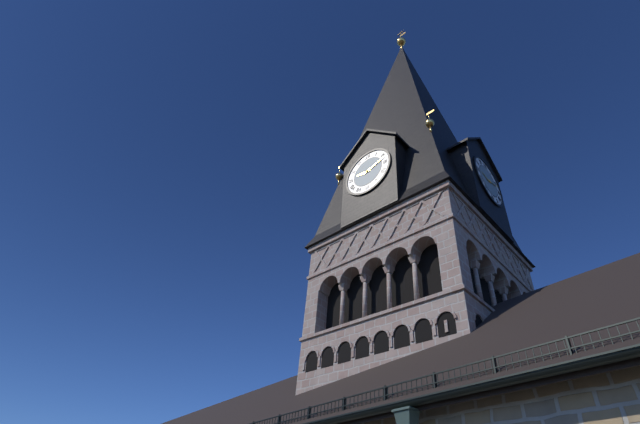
9:12
